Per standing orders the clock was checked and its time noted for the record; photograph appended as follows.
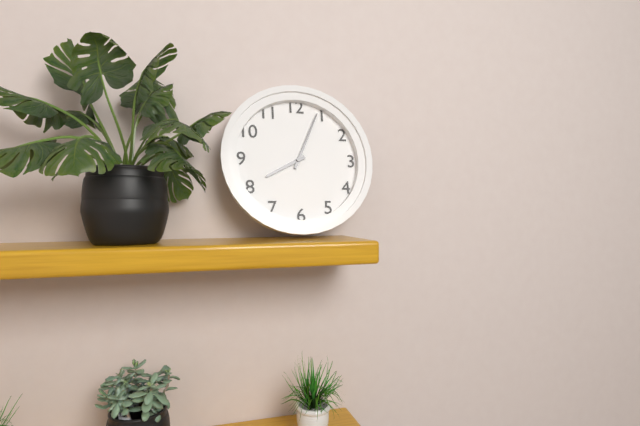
8:04
